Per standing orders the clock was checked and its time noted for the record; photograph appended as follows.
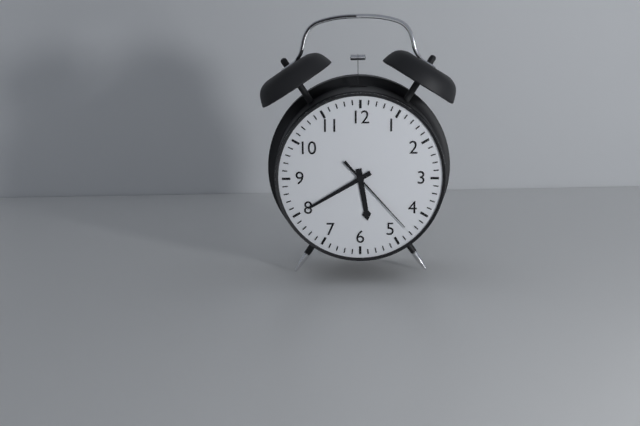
5:40:23
